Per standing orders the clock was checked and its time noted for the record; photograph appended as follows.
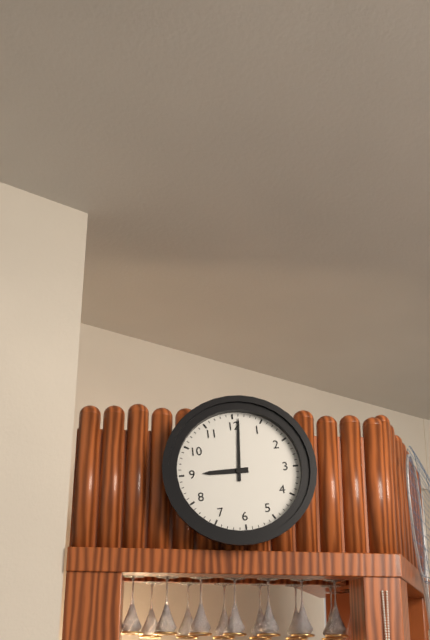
9:01
